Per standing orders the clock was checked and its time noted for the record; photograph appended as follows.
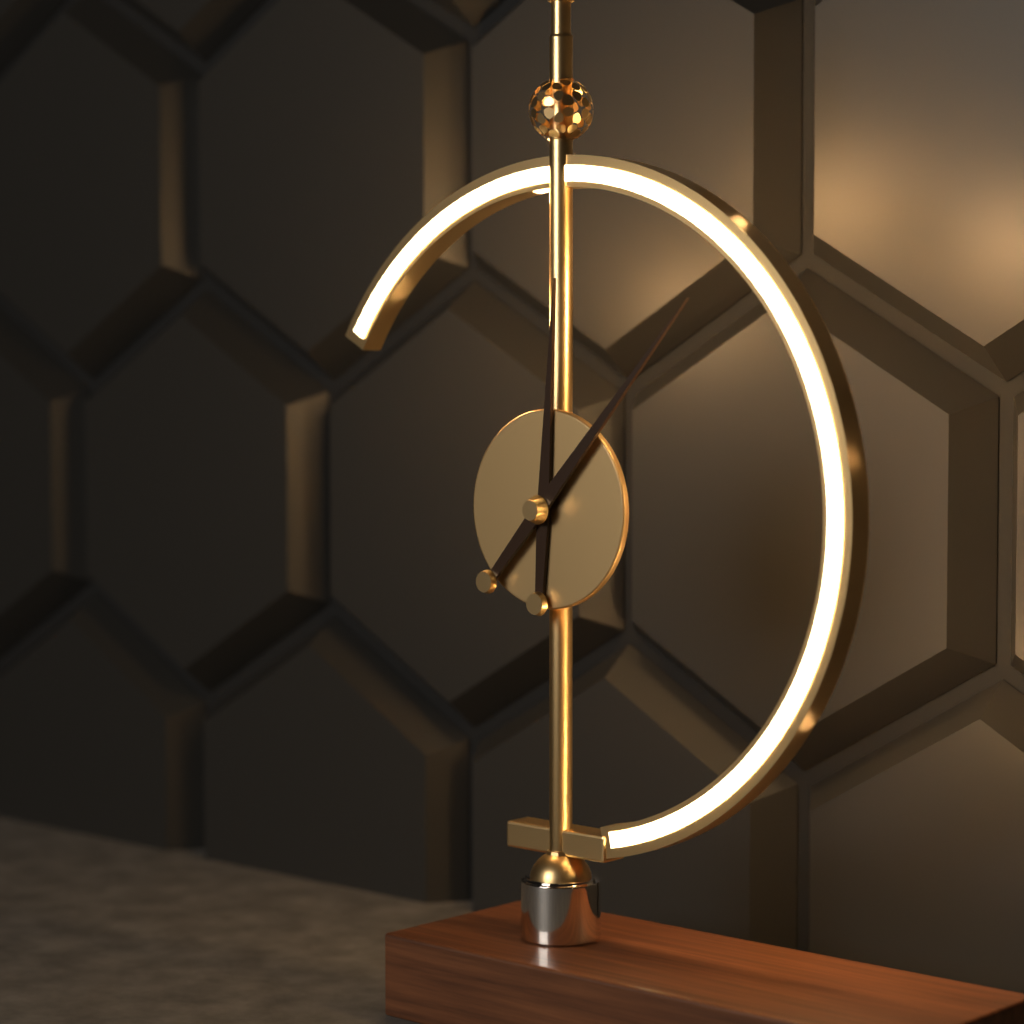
12:07
